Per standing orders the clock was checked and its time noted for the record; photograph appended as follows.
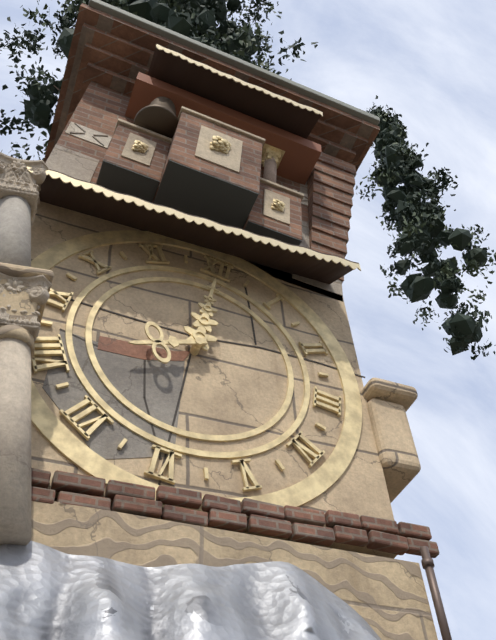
8:00
